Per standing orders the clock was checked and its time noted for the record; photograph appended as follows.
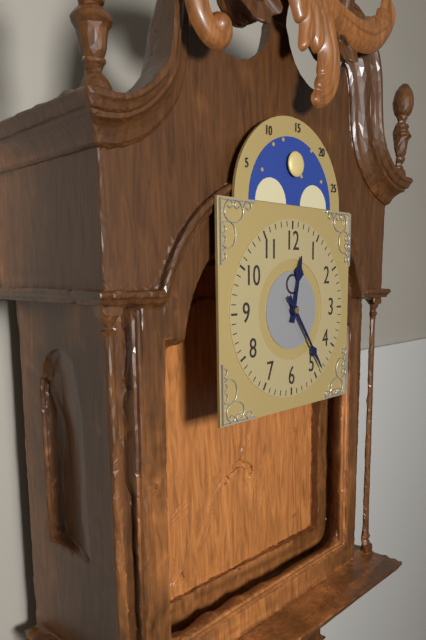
12:24
